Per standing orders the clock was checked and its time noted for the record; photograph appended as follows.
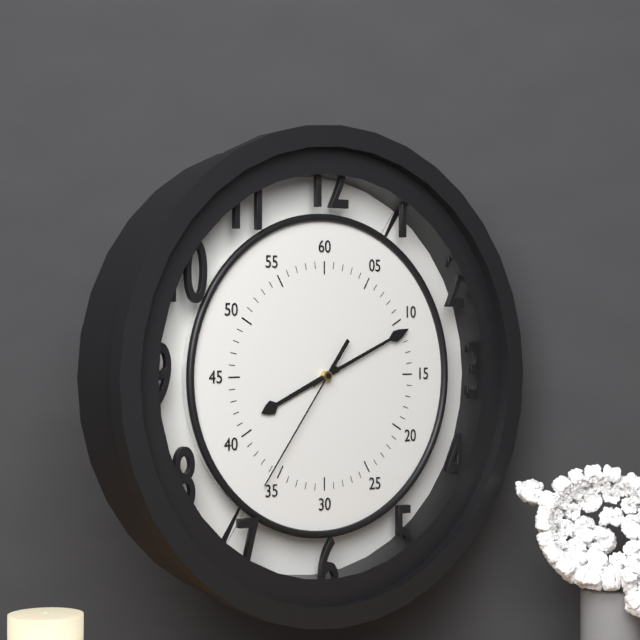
8:11:36
